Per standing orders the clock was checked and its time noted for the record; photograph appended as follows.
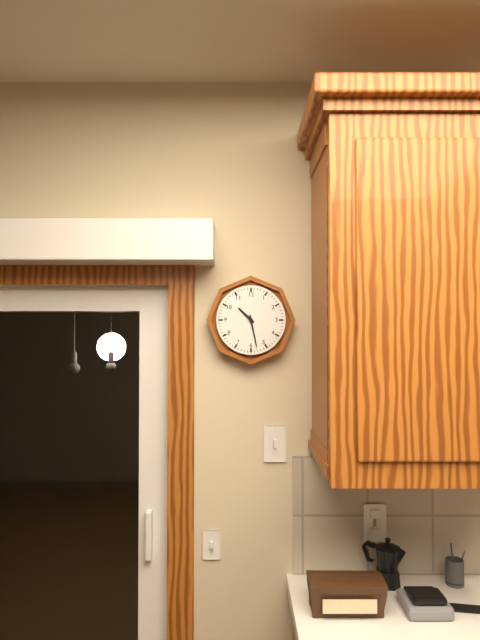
10:28
